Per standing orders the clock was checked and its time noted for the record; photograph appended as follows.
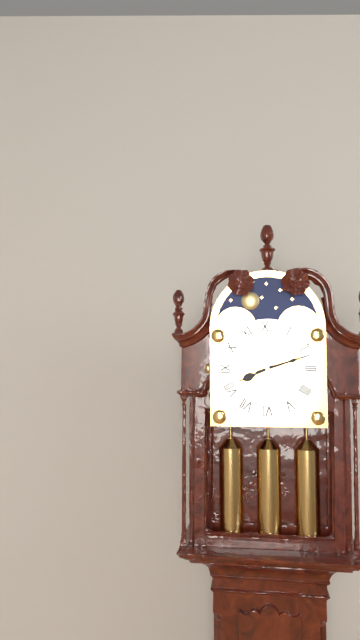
8:12
